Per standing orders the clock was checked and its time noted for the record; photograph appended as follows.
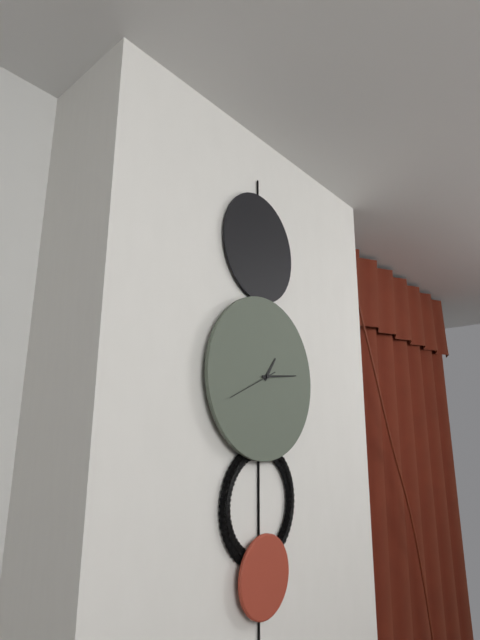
1:14:41
